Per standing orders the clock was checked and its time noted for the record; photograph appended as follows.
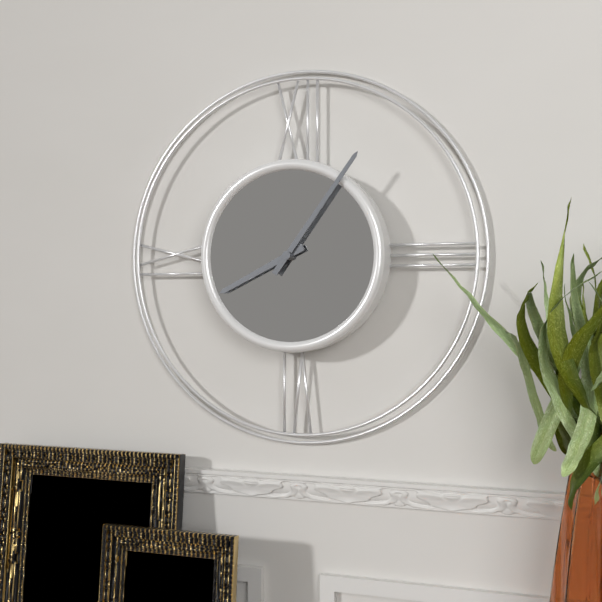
8:06
